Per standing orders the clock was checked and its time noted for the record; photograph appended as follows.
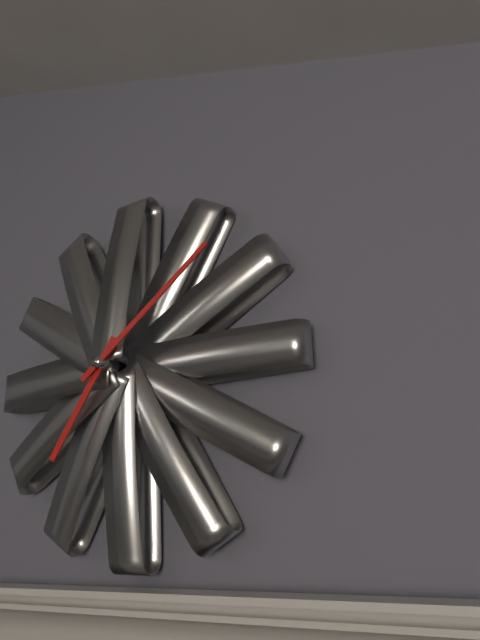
7:09
